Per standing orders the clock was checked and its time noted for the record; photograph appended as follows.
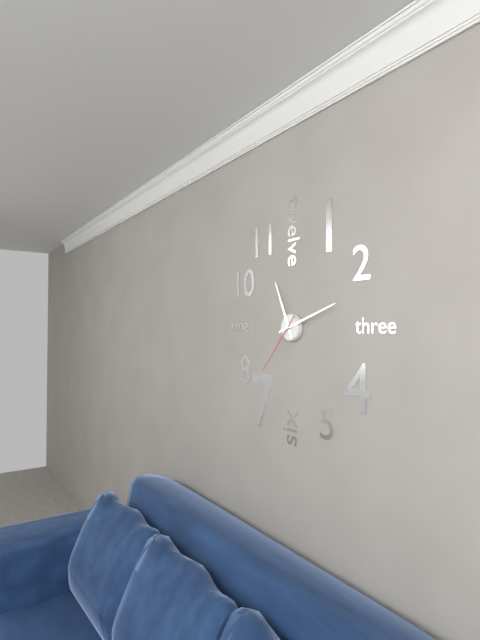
11:12:37
